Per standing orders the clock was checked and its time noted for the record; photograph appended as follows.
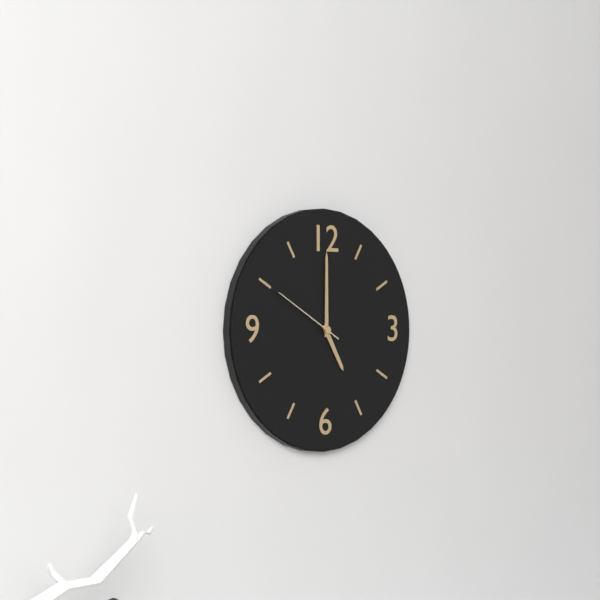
5:00:50
